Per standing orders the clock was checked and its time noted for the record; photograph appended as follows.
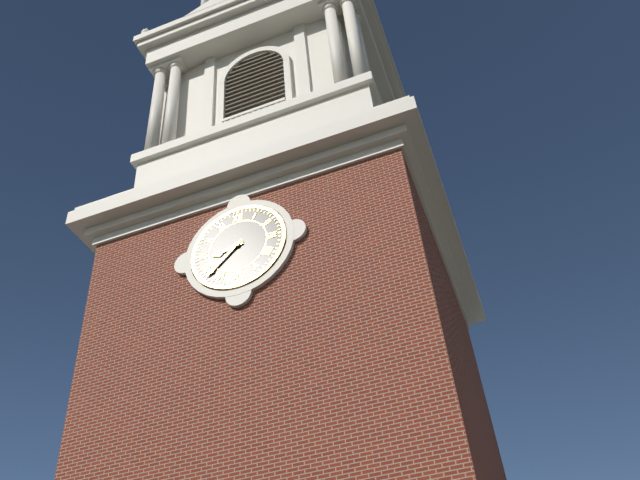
8:38
